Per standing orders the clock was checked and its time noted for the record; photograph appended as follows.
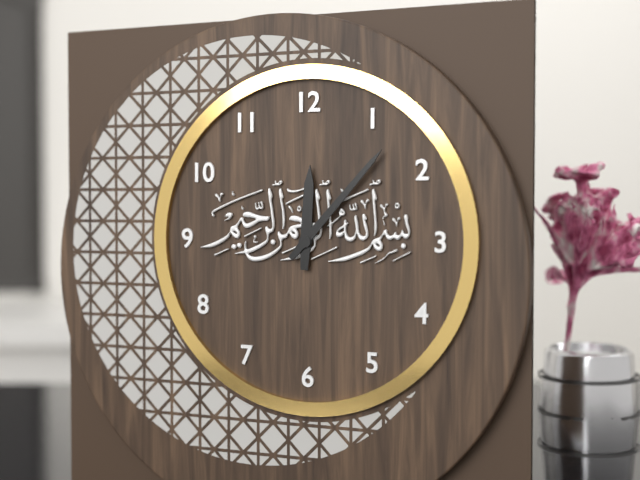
12:07
